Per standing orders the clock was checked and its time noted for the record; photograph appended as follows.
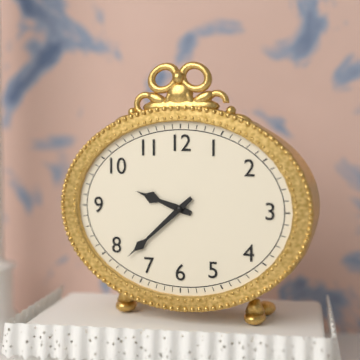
9:38
